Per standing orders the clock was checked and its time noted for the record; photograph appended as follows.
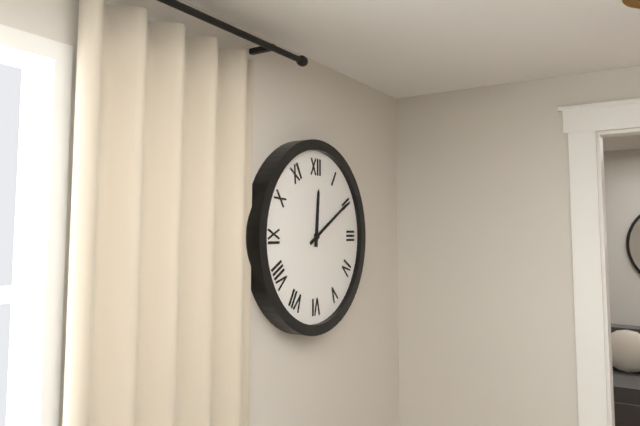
12:10
